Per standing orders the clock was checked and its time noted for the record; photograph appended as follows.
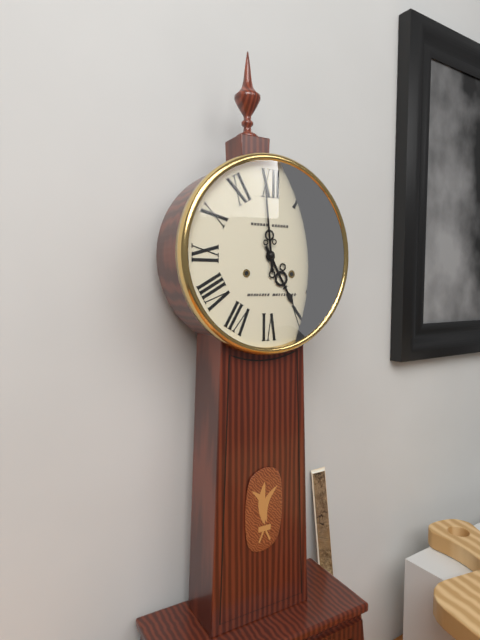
4:59
